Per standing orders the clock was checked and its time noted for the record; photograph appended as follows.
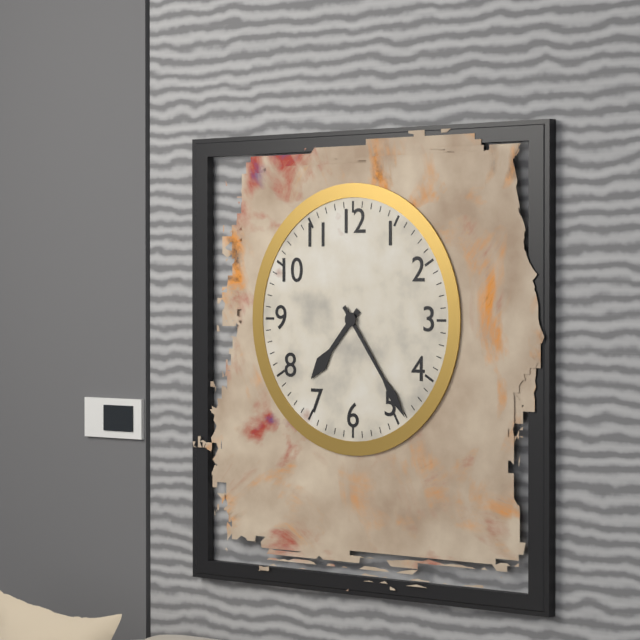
7:24
